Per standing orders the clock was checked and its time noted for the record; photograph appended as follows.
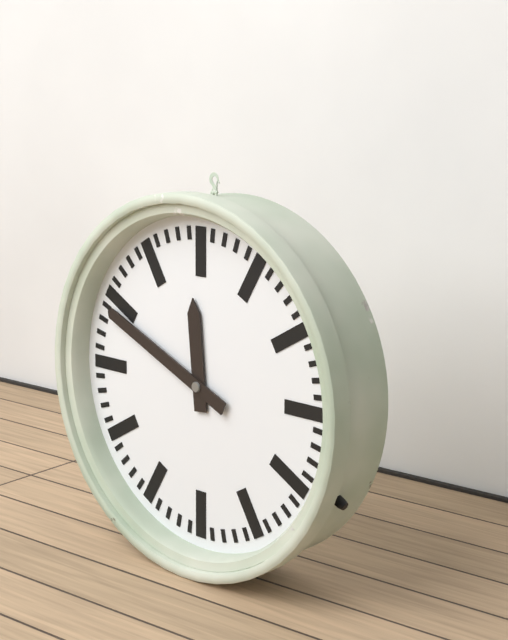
11:49
